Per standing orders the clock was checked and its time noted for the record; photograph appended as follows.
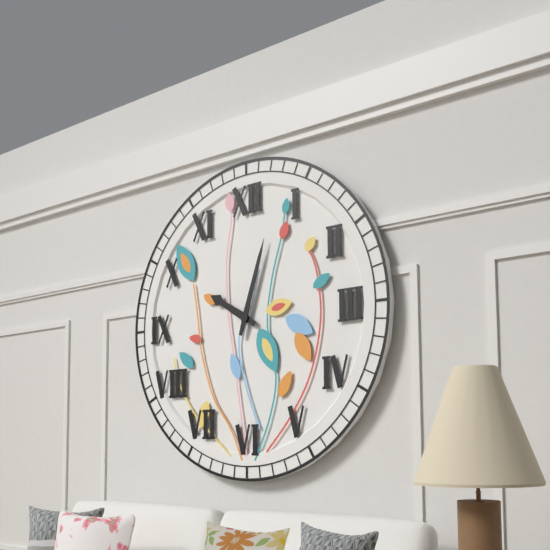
10:03
